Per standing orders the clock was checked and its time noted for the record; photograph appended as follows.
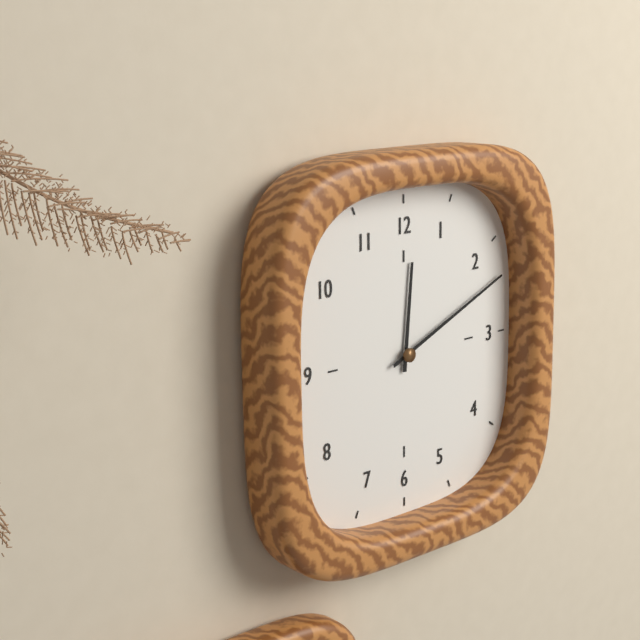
12:11
